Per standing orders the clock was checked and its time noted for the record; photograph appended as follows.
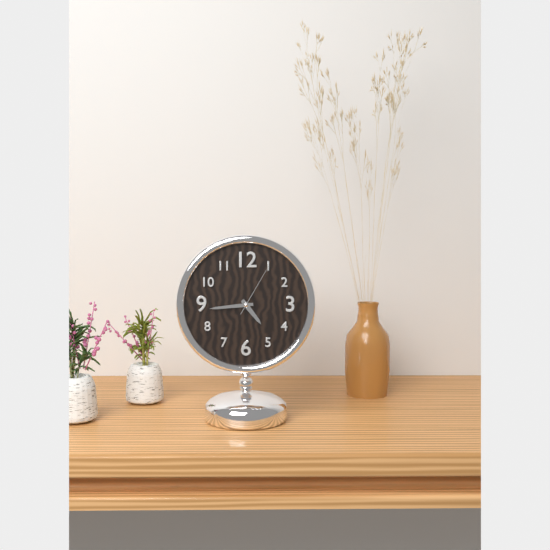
4:44:05
